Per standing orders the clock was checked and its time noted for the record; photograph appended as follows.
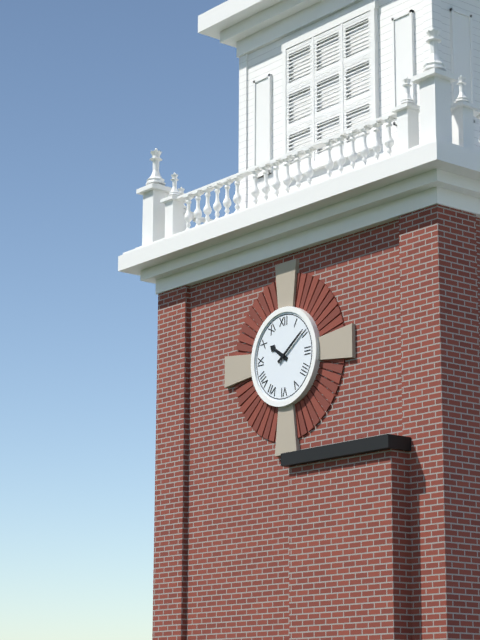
10:09
